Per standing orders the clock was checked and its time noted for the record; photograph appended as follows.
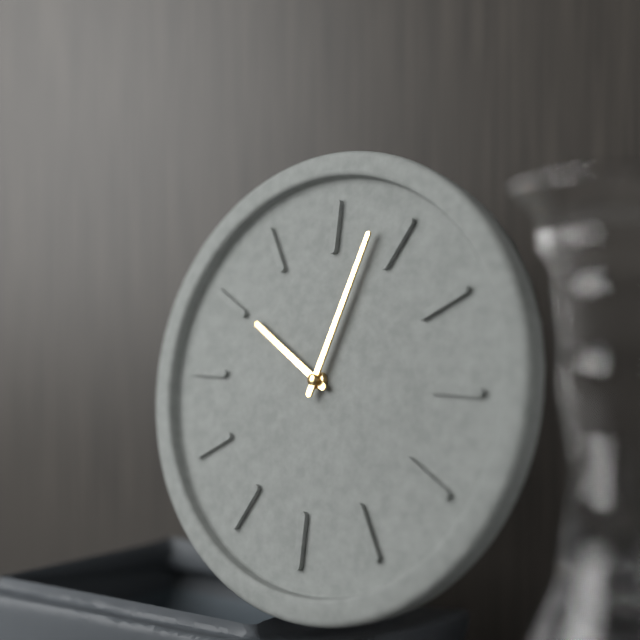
10:03
